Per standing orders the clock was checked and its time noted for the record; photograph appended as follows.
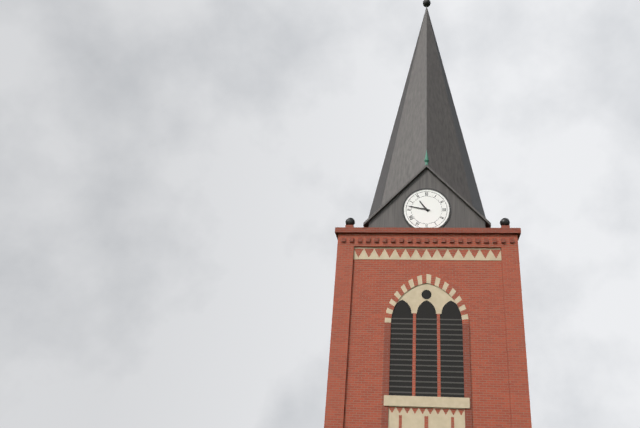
10:47
